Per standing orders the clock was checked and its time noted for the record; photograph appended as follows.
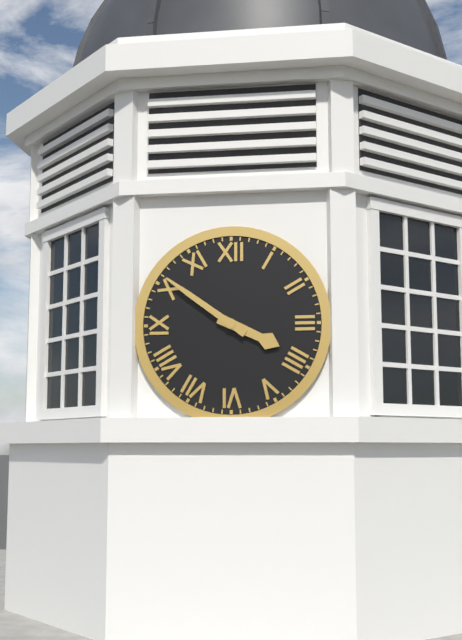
3:51
